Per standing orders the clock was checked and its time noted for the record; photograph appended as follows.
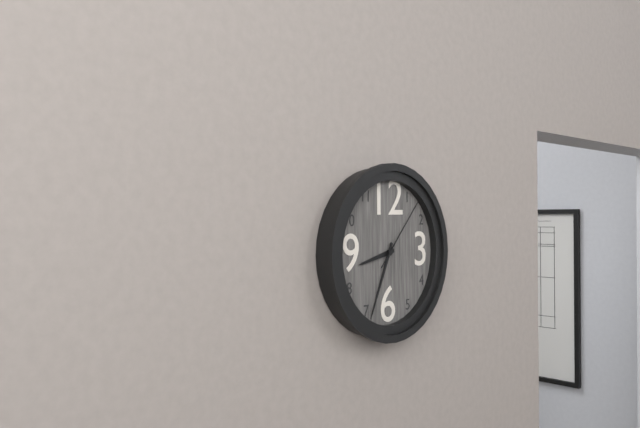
8:34:07
